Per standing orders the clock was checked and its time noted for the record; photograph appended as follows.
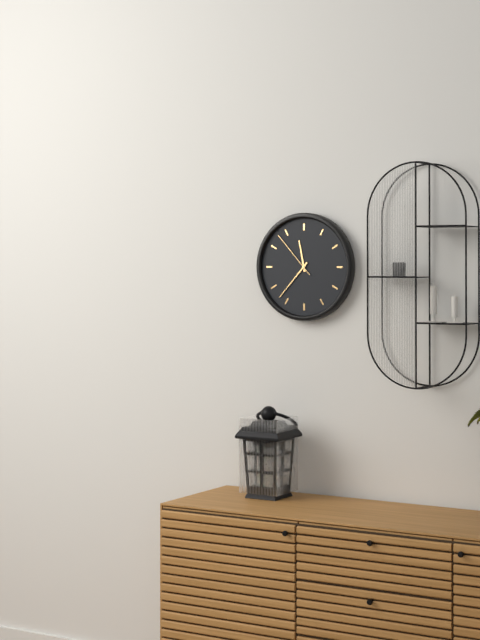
11:37:53
